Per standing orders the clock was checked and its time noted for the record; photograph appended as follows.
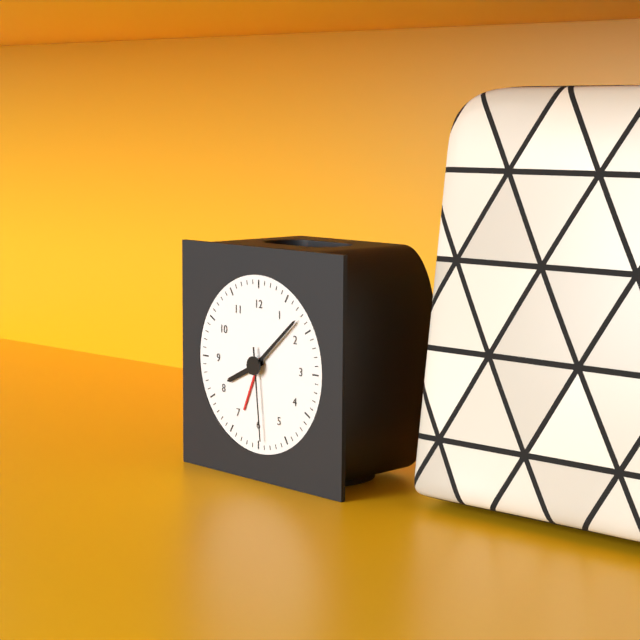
8:08:29
